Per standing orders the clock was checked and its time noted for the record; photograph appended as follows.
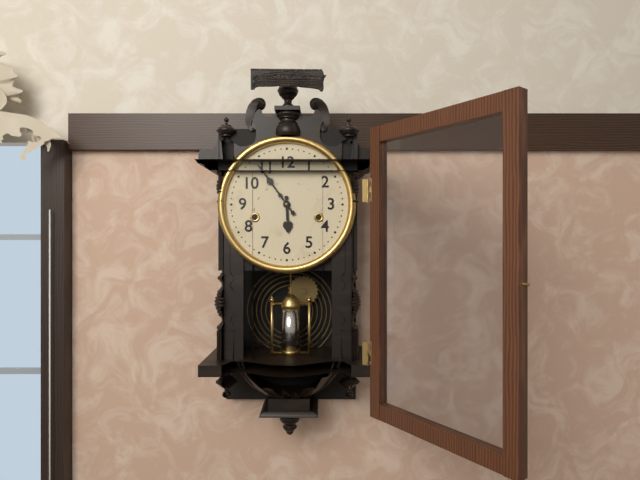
5:54
